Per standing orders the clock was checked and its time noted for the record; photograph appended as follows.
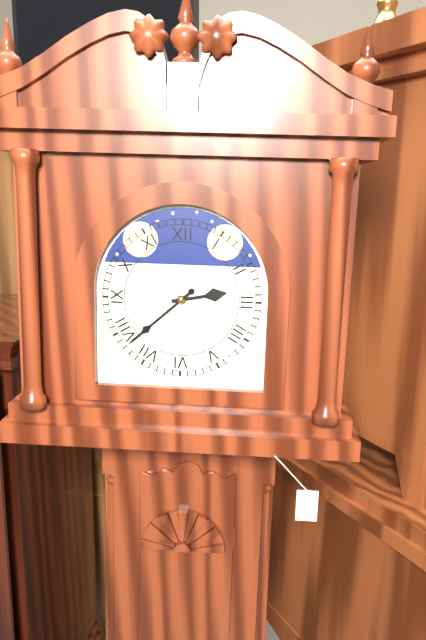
2:38
